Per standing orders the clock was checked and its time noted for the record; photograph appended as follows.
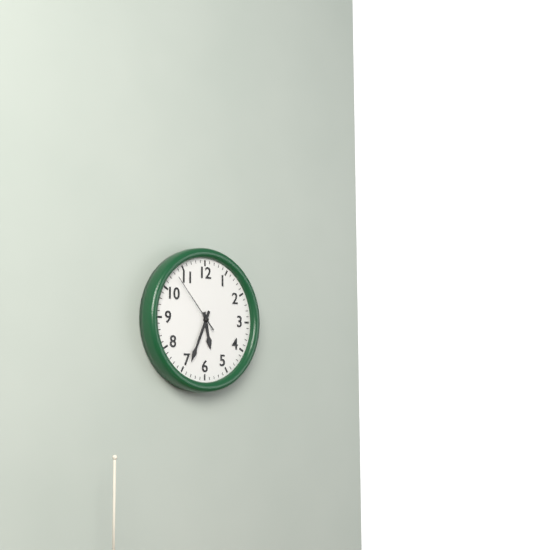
5:34:53
